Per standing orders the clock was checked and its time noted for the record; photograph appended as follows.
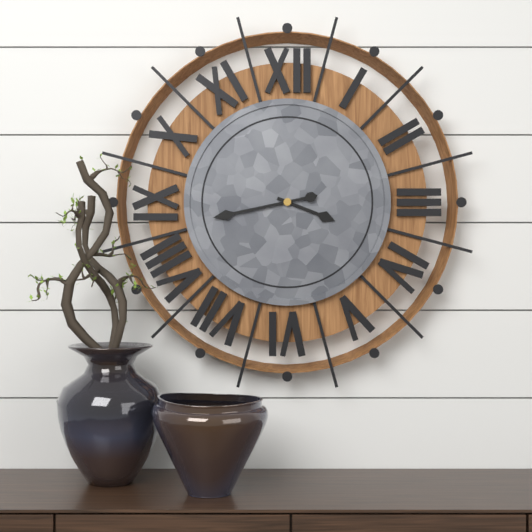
3:43
